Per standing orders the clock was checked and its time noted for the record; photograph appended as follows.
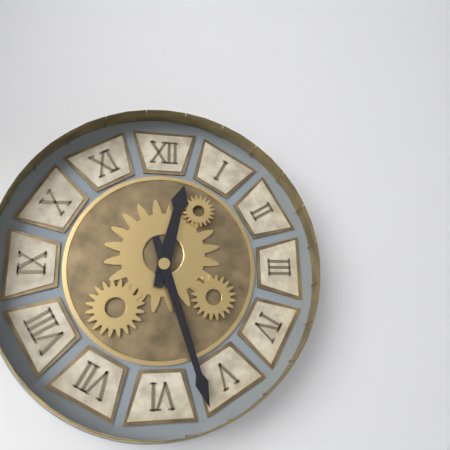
12:27
